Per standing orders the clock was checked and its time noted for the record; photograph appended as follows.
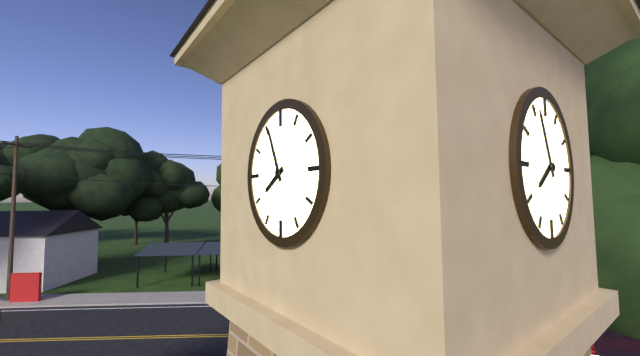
7:56
